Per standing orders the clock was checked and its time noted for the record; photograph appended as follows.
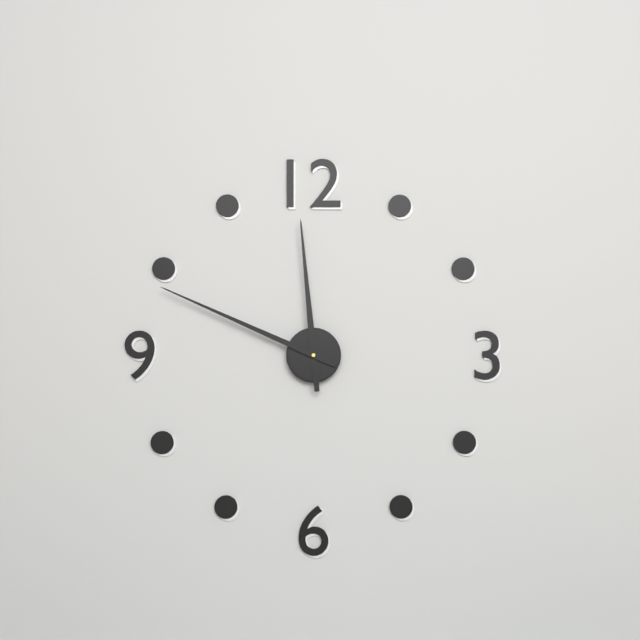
11:49
